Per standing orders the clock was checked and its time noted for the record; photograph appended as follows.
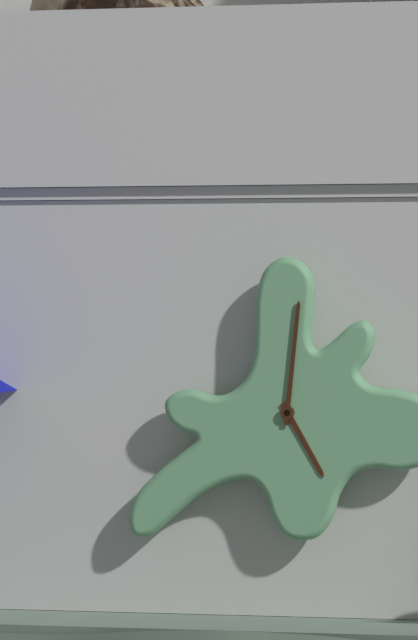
5:01
